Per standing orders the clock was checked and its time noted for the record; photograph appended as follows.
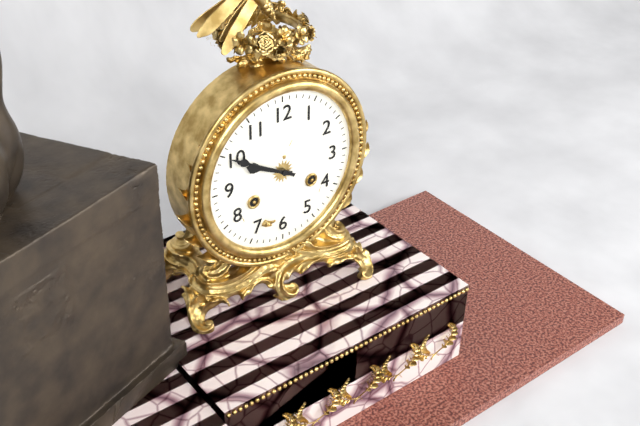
9:50
